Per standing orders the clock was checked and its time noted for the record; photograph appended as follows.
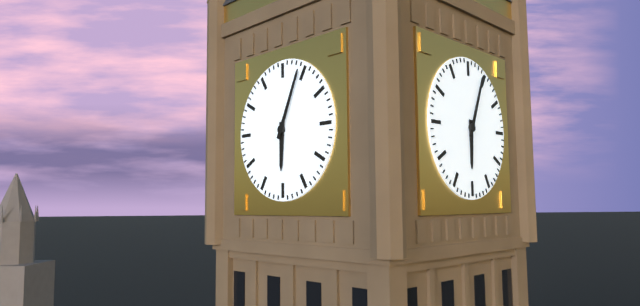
6:04
